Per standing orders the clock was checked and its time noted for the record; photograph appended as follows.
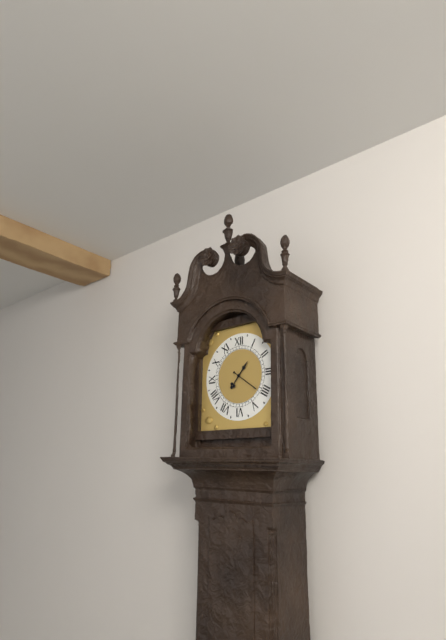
1:21
